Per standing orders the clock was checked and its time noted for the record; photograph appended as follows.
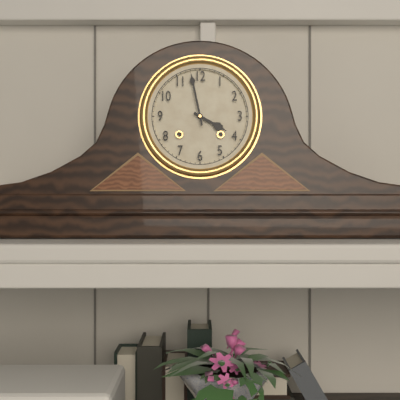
3:58
